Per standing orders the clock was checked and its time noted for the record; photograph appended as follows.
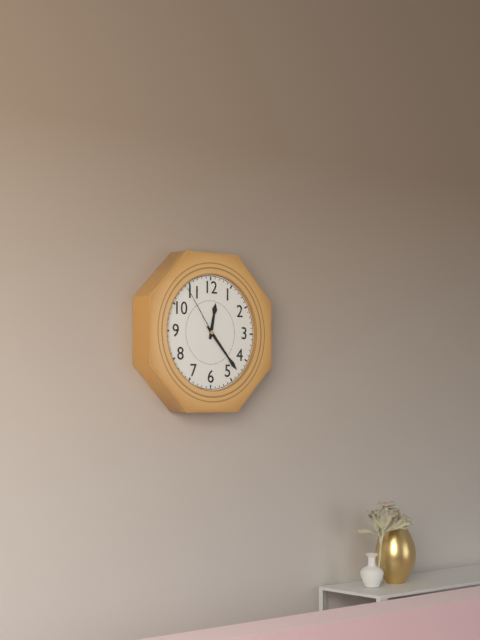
12:23:54
